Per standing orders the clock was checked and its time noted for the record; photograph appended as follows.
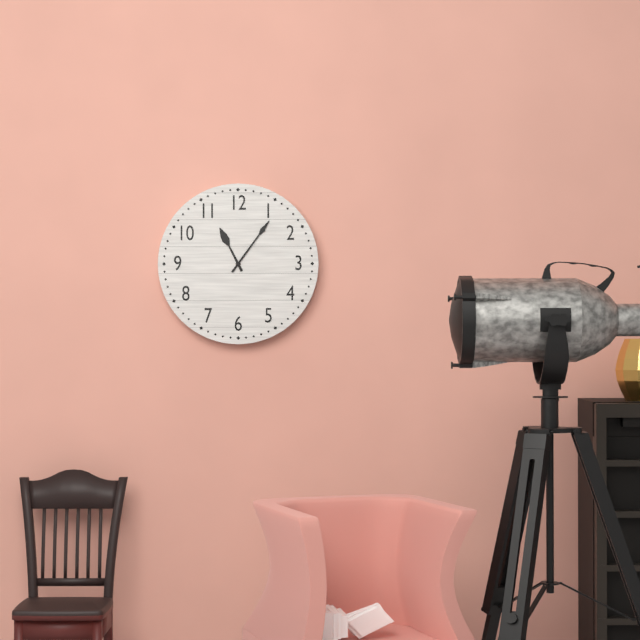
11:06
